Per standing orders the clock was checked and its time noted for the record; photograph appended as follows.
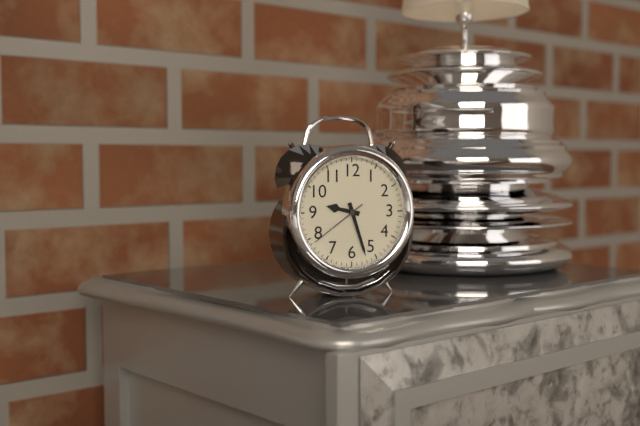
9:27:39
